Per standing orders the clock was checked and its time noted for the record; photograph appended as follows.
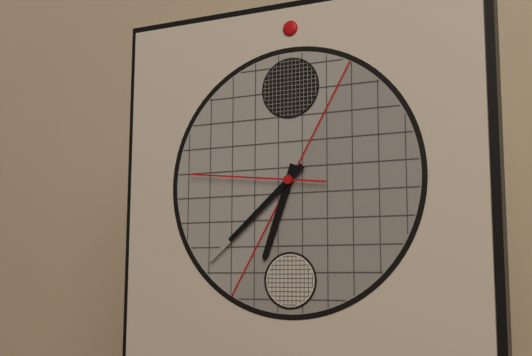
6:38:46
